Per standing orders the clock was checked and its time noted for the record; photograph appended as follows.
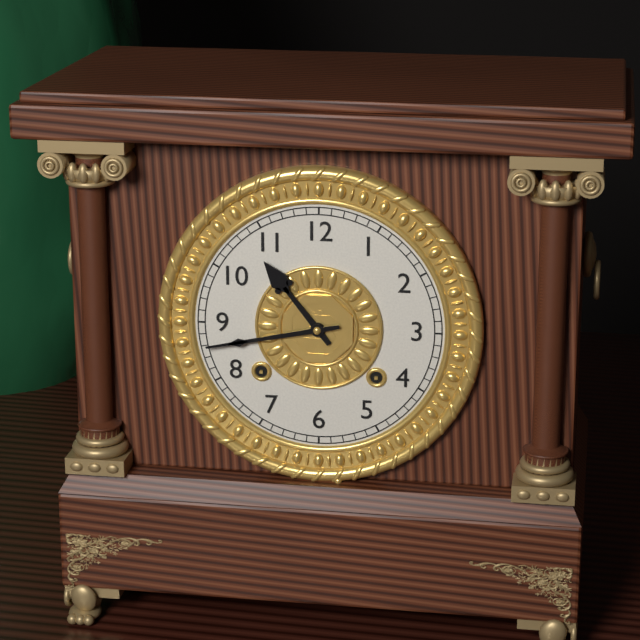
10:43
